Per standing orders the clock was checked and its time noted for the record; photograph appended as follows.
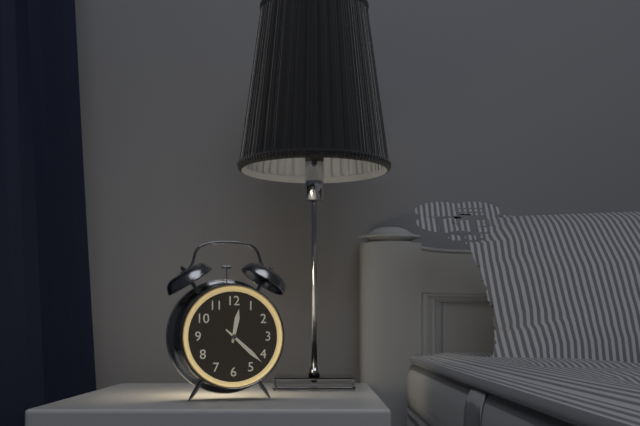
12:22
